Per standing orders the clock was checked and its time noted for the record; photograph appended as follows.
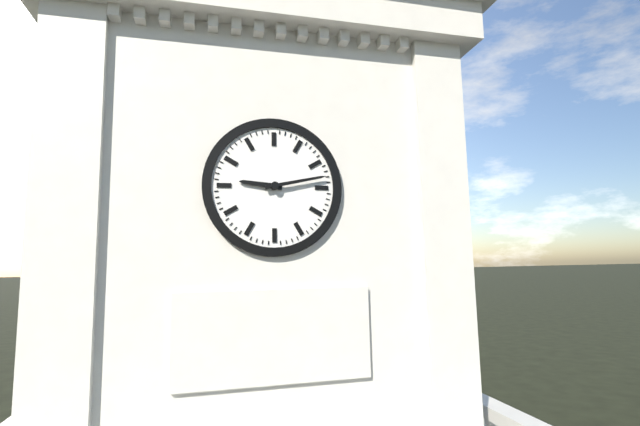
9:13
